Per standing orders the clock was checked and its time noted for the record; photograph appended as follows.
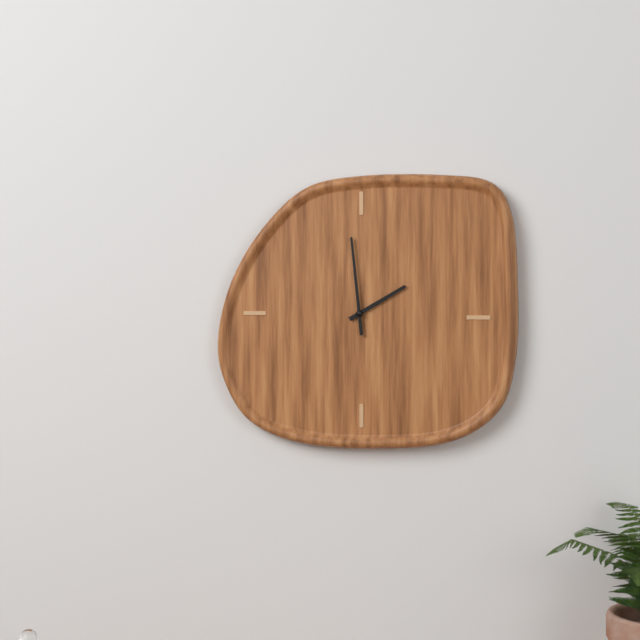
1:59
